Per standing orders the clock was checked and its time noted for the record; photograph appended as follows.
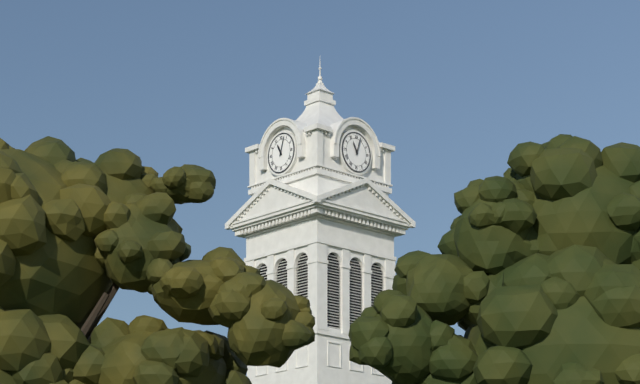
11:03
